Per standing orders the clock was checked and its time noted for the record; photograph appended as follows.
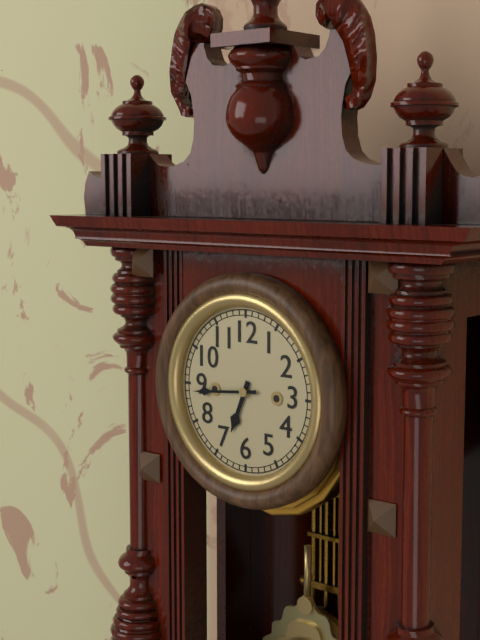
6:44
